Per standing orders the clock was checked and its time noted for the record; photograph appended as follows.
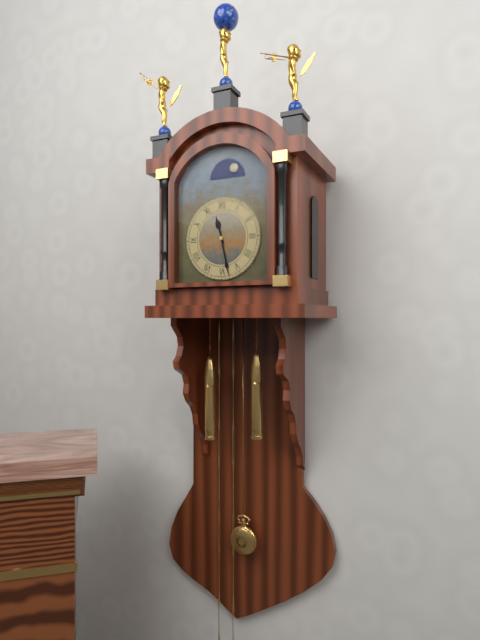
11:28
